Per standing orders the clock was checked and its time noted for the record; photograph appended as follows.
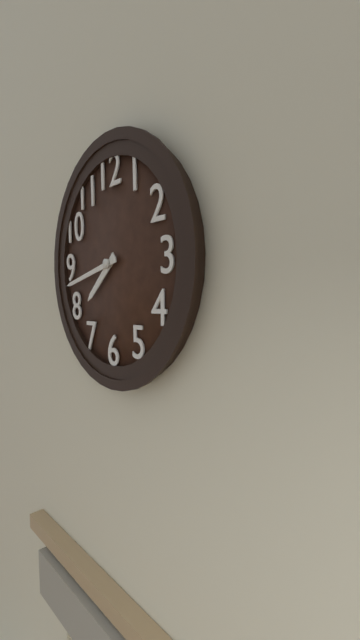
7:43
